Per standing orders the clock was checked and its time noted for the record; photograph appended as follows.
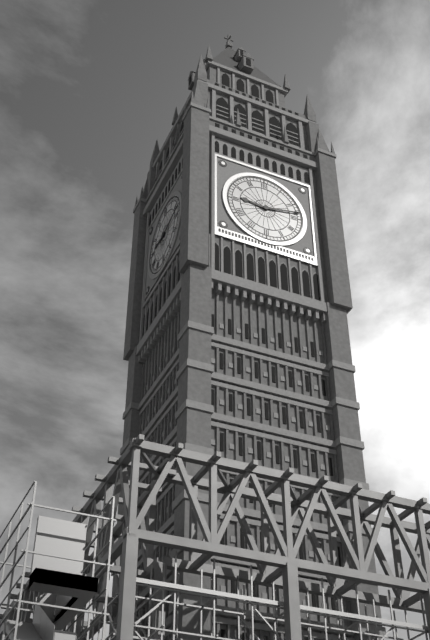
9:13
